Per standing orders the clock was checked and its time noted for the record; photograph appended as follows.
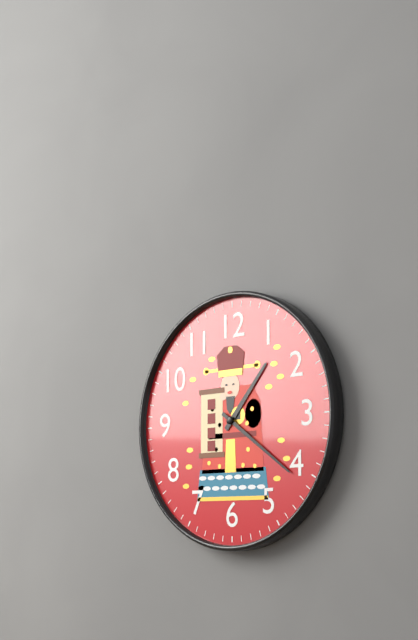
1:21
